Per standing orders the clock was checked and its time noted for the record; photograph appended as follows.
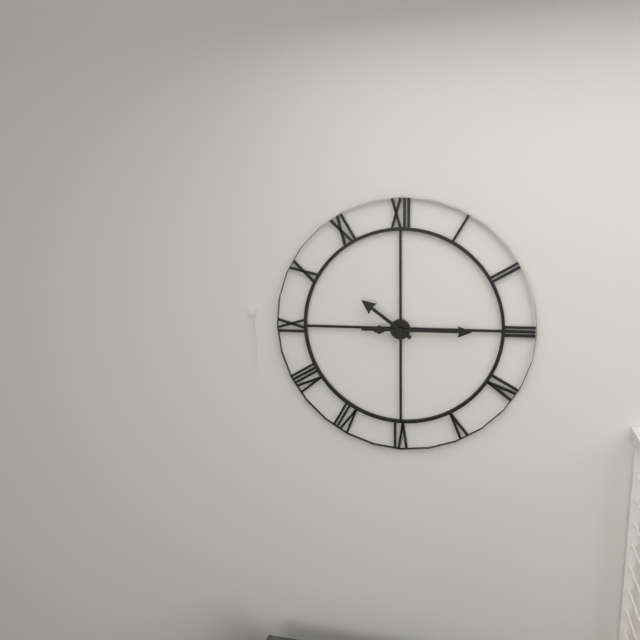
10:15
